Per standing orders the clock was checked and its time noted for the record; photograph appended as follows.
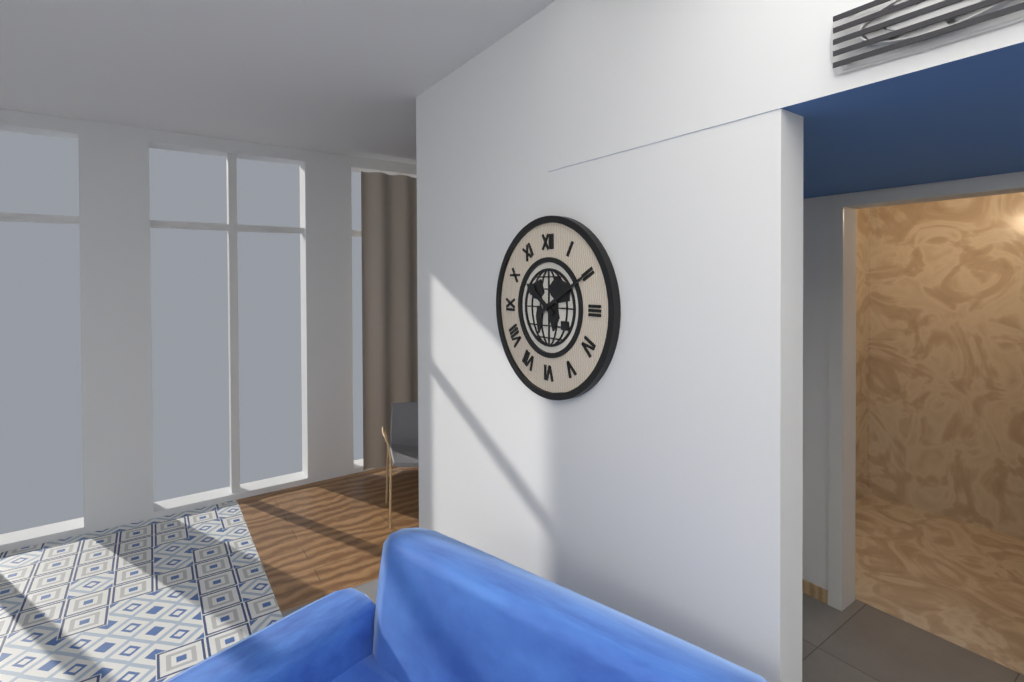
10:10
